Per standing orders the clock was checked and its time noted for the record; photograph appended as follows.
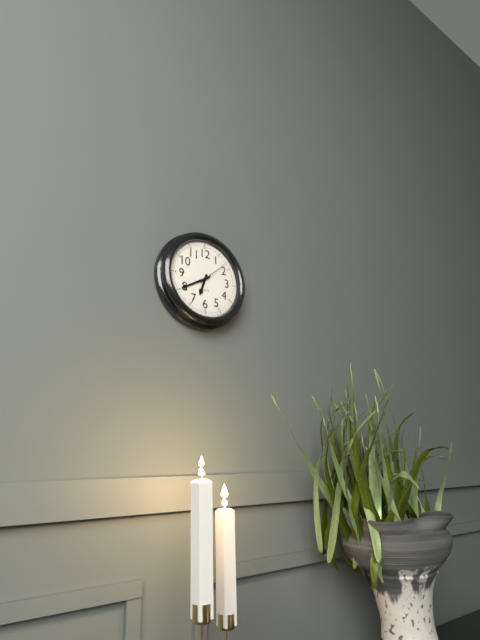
6:40
